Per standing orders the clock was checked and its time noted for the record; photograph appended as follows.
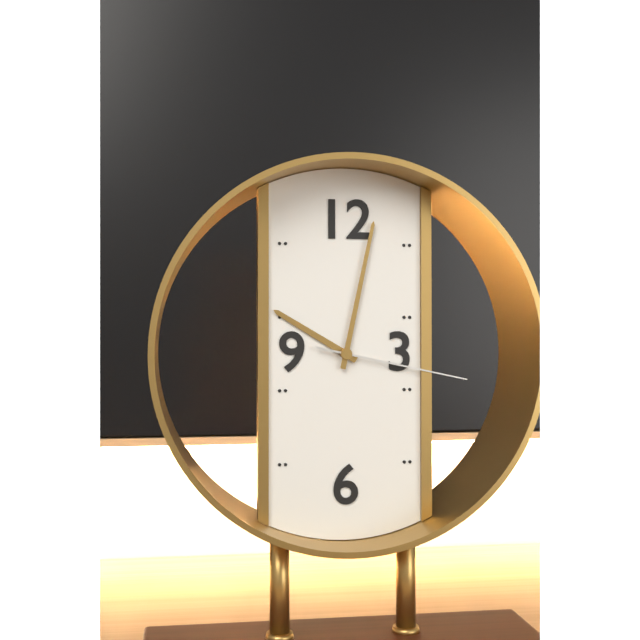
10:02:17
